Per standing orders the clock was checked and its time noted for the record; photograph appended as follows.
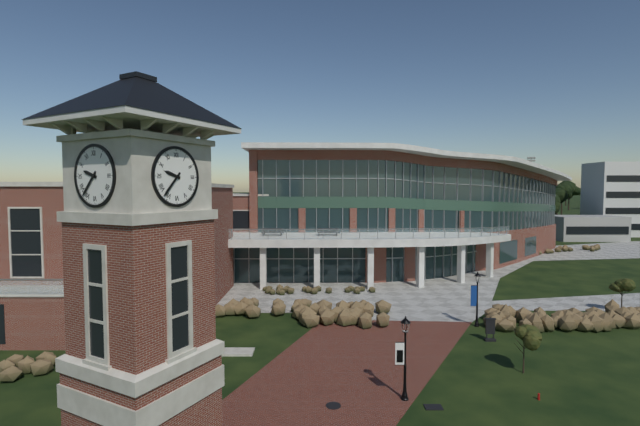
9:37
